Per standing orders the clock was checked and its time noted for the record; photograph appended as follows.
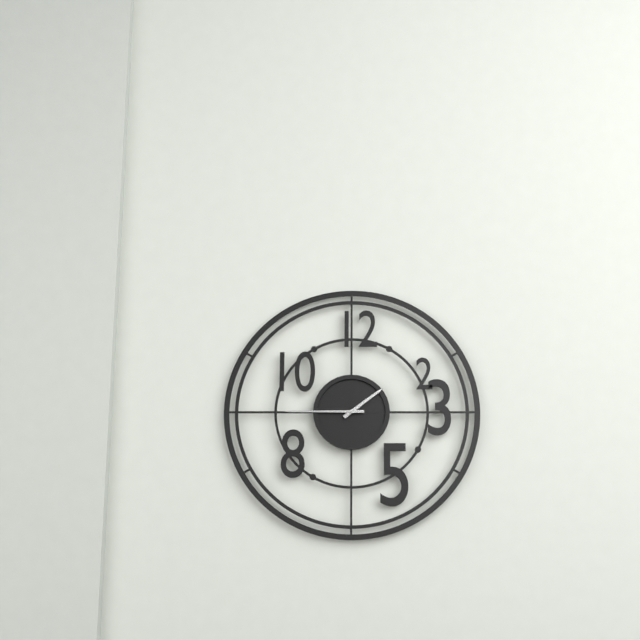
1:45
